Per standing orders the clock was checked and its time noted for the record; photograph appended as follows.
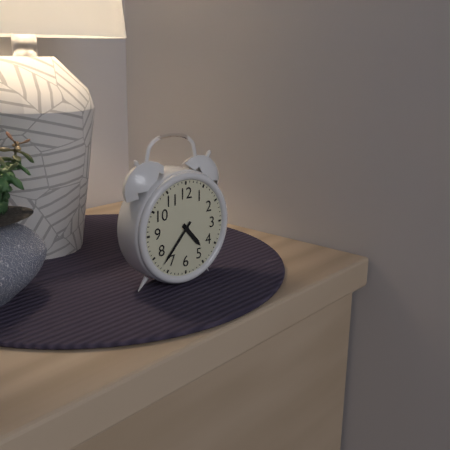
4:37
